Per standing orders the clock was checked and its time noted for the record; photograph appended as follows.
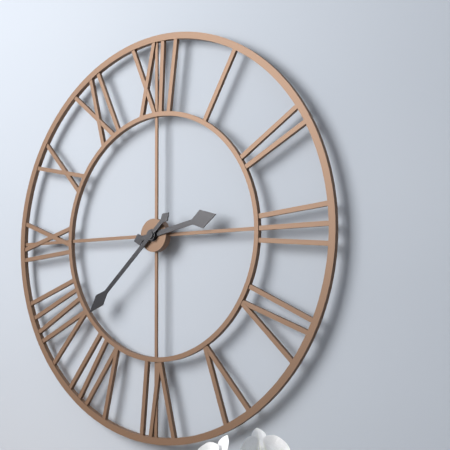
2:38
